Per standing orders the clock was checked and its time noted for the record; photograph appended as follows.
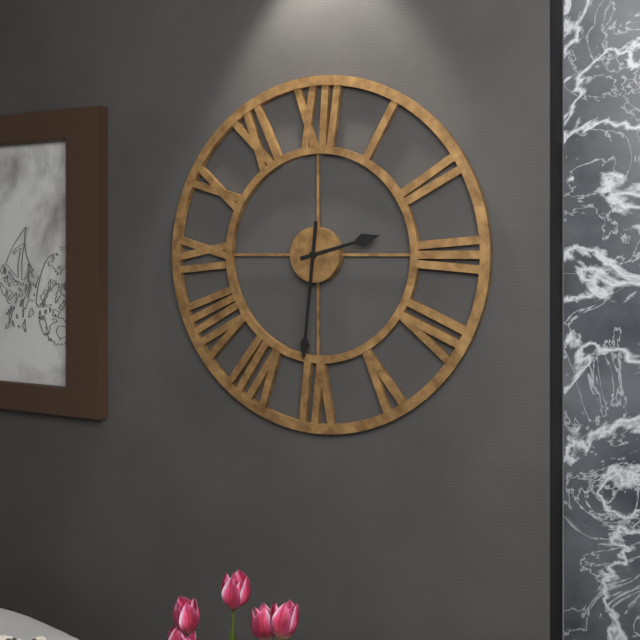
2:31
